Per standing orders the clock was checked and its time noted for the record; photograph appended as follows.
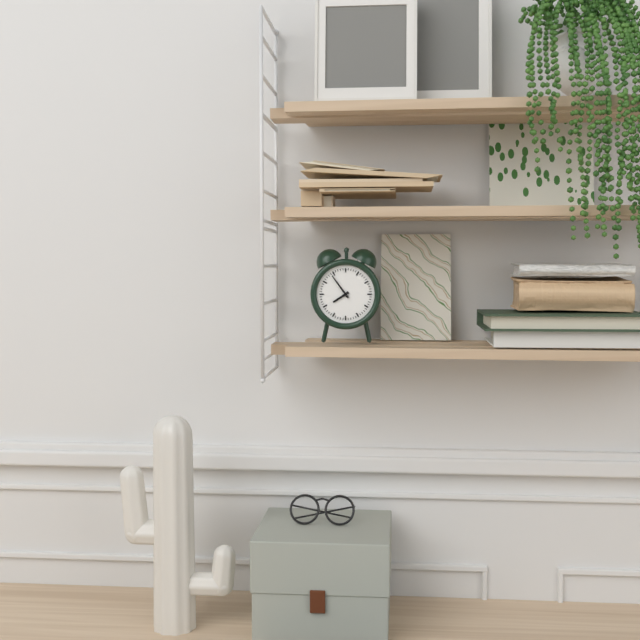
7:54
